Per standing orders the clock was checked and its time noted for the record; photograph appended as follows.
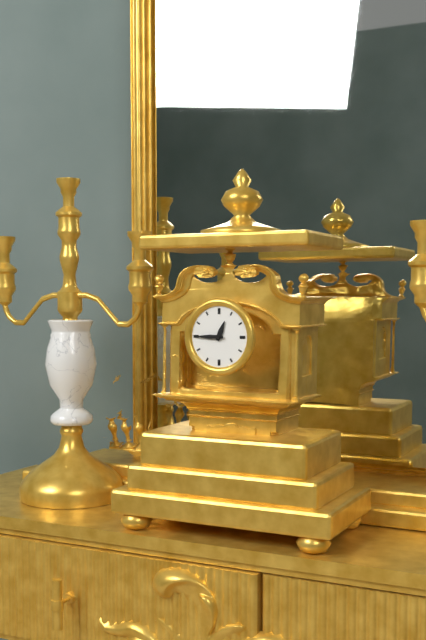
12:45
